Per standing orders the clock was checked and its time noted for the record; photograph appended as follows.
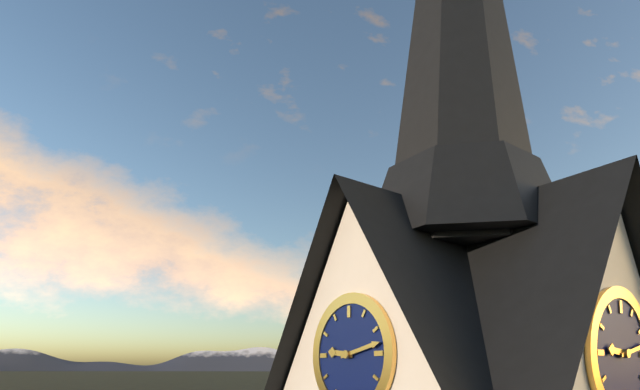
9:13
